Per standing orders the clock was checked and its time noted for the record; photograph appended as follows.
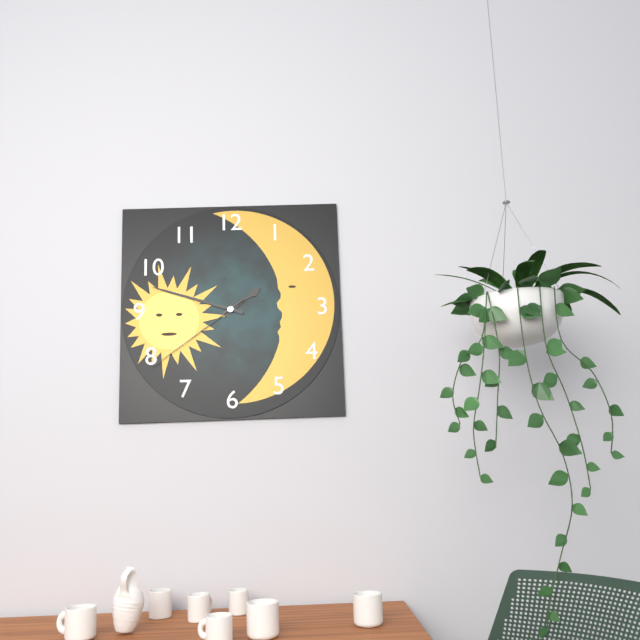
1:48:39
